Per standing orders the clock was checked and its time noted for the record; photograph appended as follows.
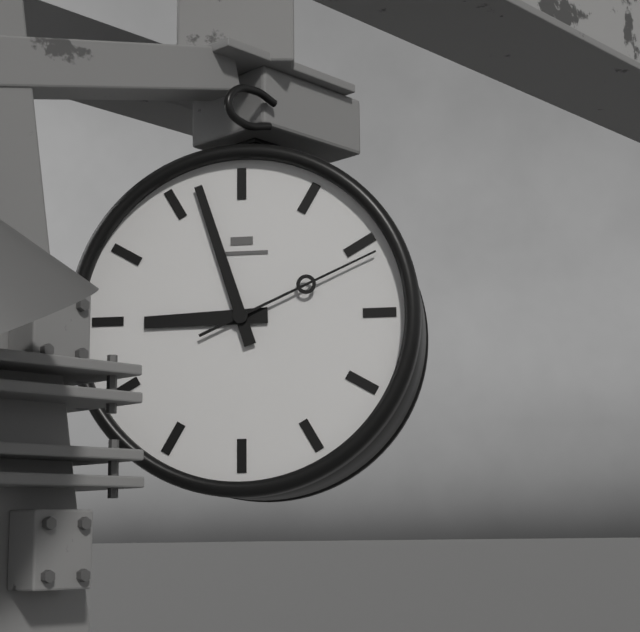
8:57:11
